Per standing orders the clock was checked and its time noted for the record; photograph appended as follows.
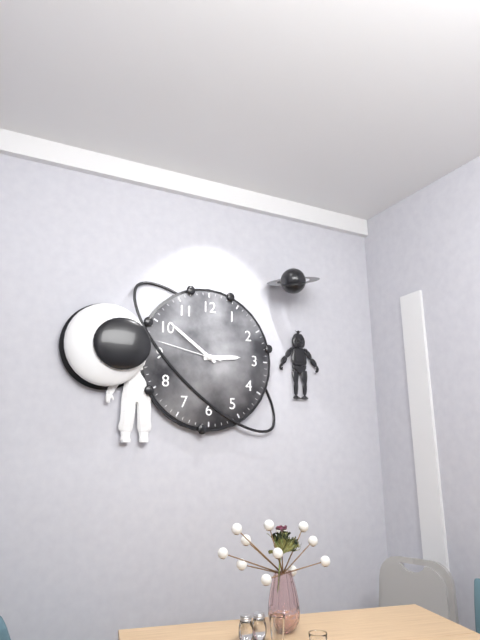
2:51:47
